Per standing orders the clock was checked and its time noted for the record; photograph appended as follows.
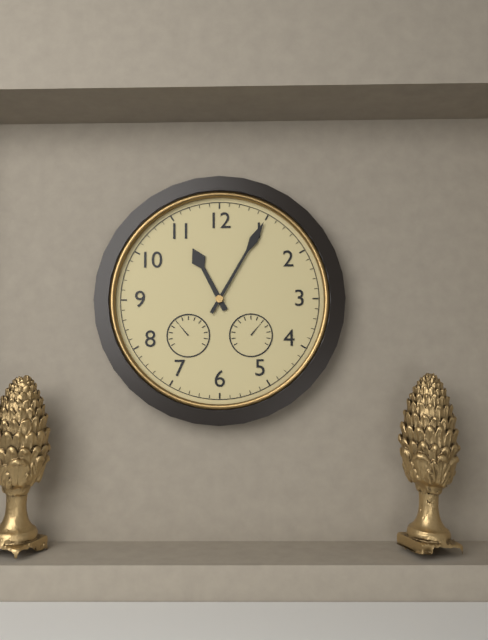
11:05
